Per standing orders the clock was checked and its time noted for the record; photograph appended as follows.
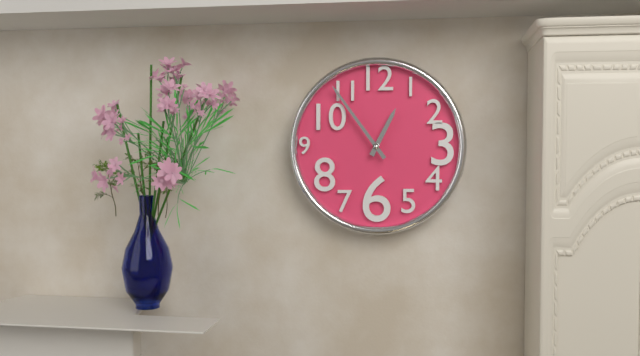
12:54
